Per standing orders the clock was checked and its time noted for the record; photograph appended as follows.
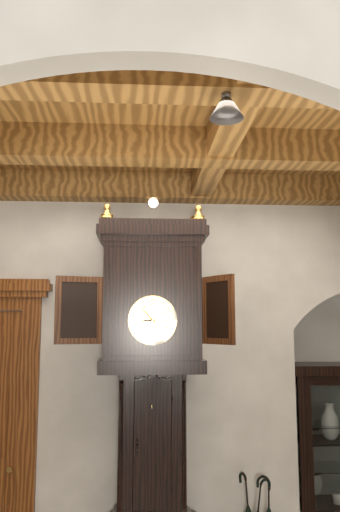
8:53
